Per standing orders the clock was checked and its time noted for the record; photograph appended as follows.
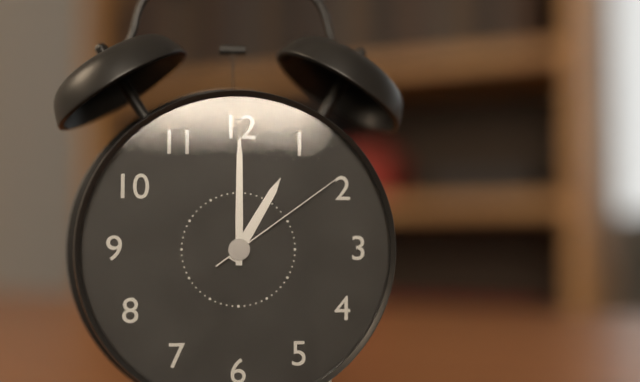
1:00:09
